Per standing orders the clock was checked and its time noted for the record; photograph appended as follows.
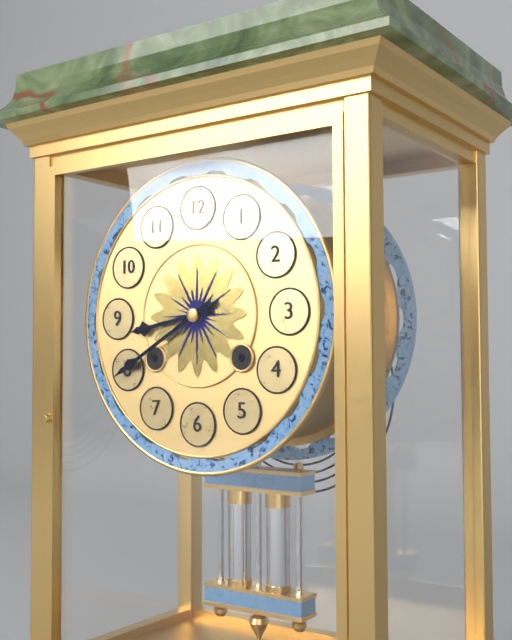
8:40
